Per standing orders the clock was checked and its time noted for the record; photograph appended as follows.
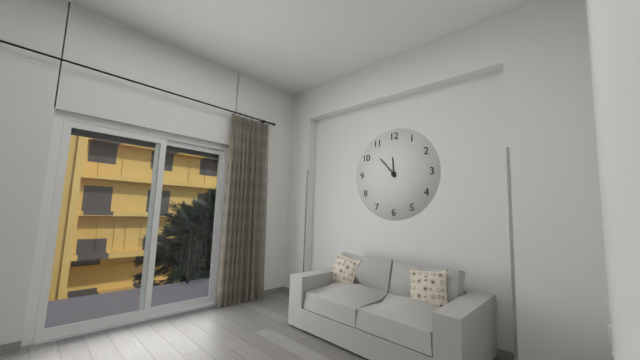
11:53
